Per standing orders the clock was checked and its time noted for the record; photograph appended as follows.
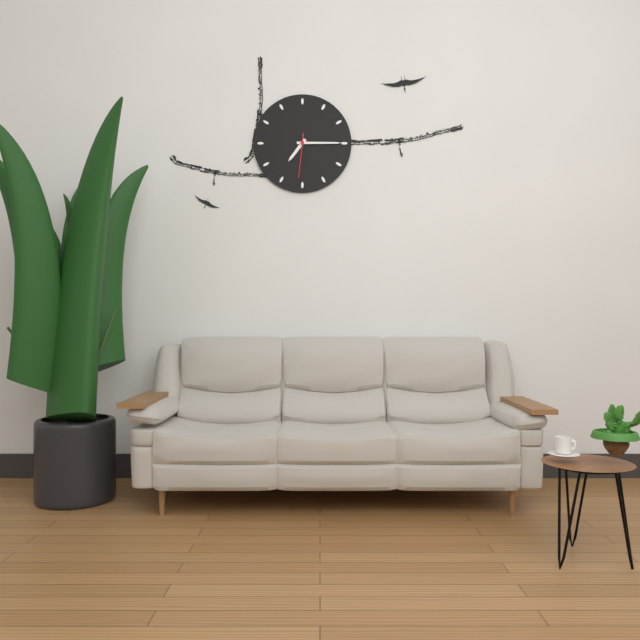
7:15
